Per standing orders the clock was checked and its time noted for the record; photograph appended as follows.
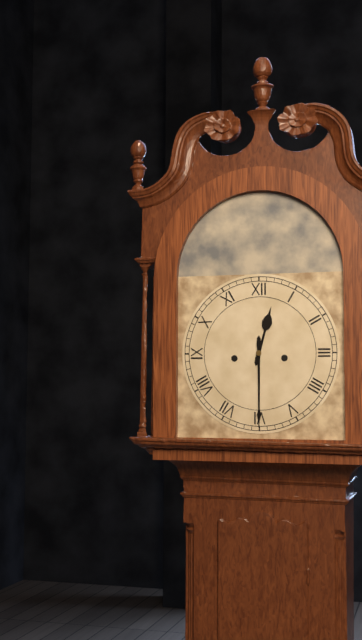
12:30
